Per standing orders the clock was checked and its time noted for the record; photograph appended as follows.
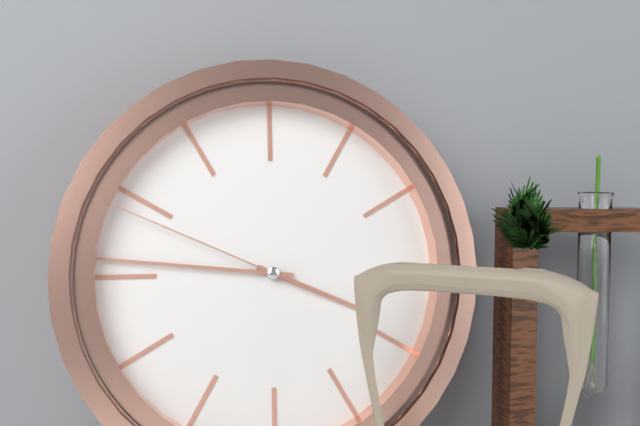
3:46:49
